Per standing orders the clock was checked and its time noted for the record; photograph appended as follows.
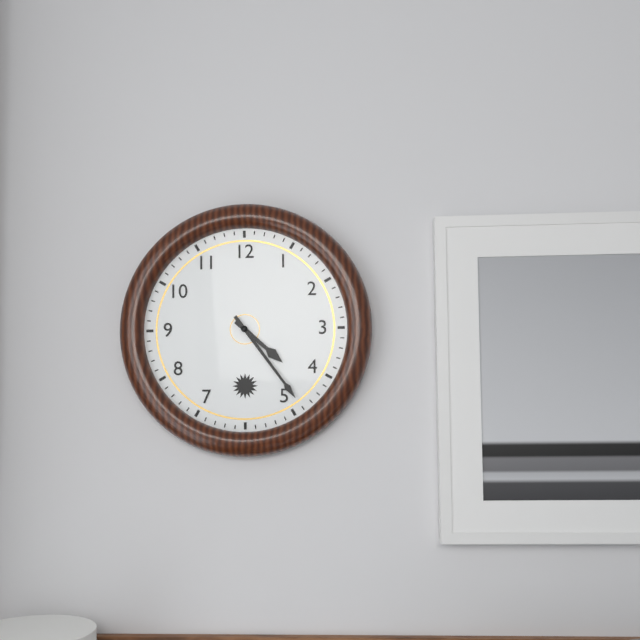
4:24
